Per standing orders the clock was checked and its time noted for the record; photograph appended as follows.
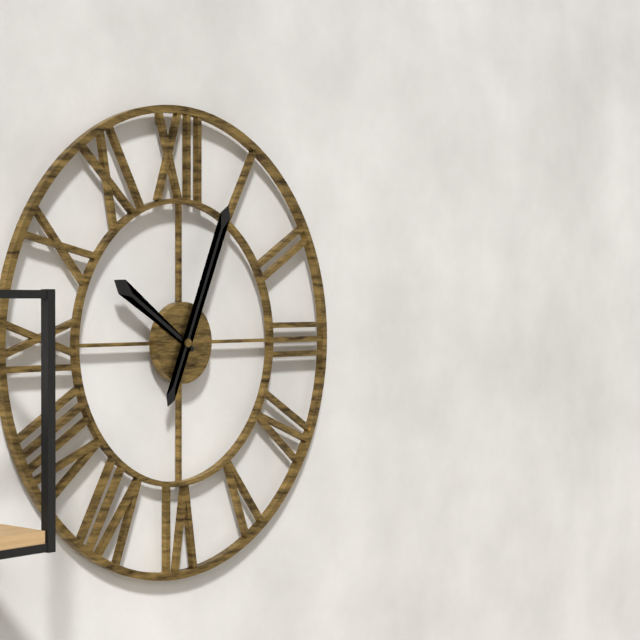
10:04
